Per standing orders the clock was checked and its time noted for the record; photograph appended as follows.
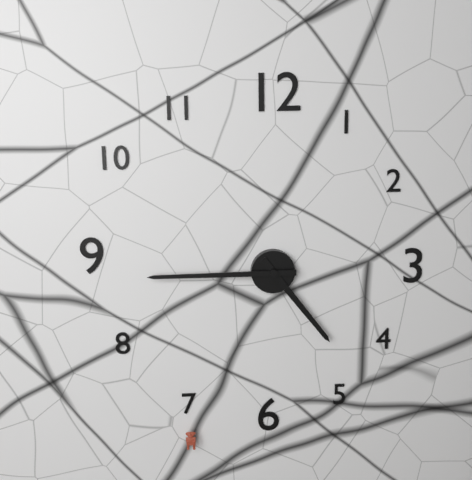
4:45
